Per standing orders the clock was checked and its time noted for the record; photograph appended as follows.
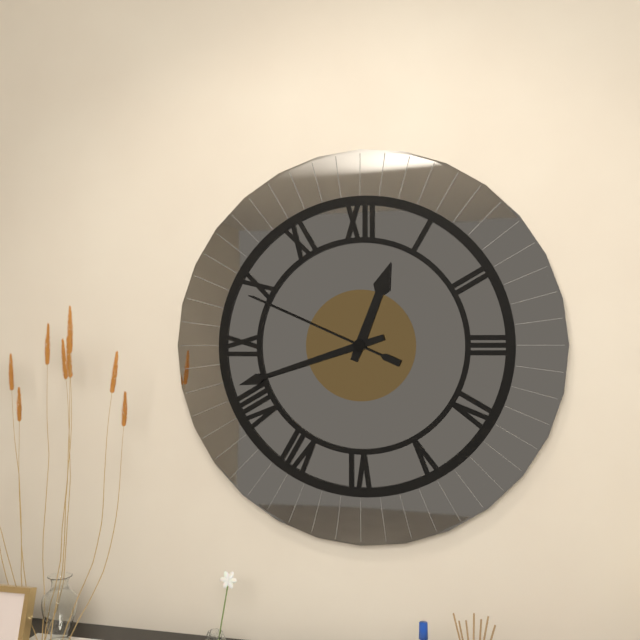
12:42:49
